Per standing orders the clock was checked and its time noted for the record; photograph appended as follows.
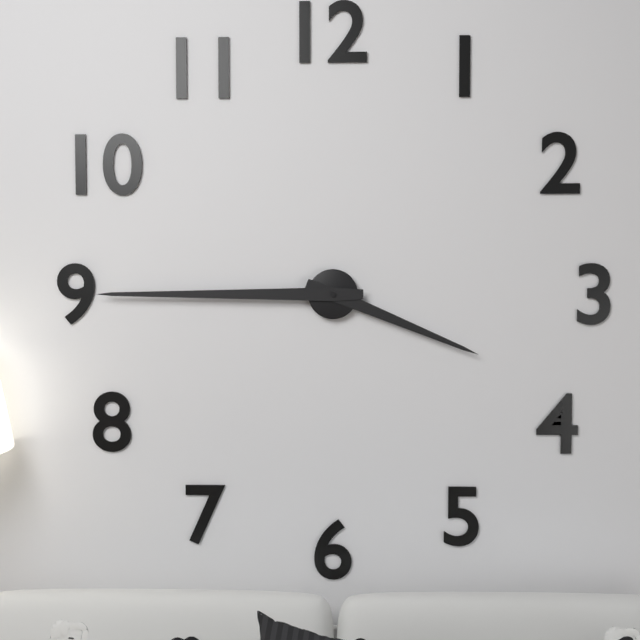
3:45
